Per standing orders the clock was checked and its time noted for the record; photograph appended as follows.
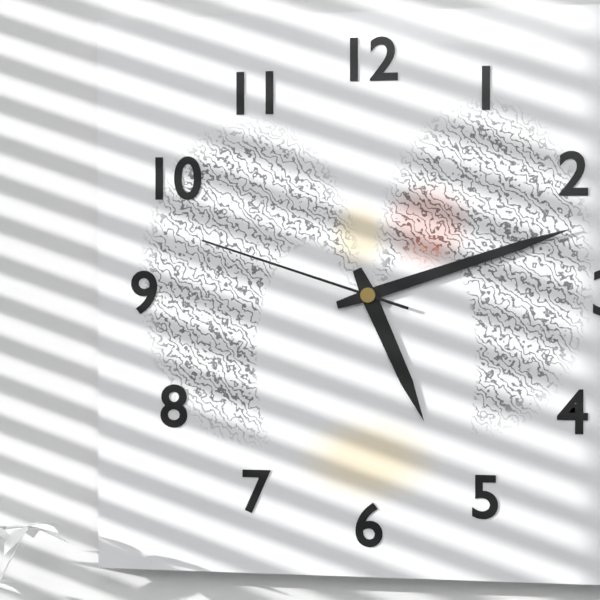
5:12:48
